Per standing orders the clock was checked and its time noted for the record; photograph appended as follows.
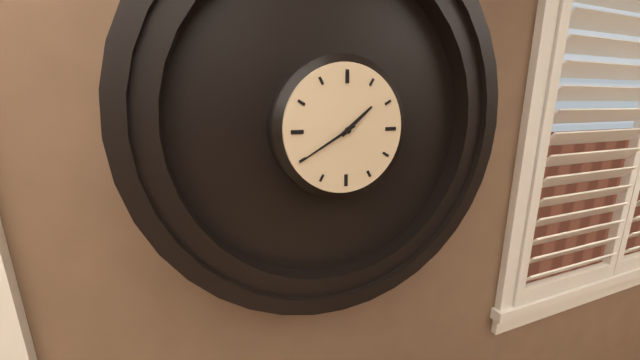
1:40
